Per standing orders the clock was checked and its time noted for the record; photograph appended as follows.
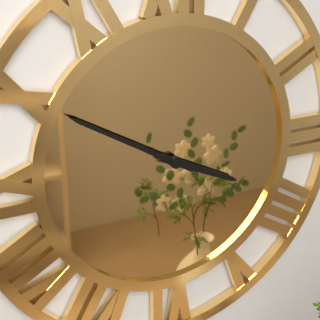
3:50
